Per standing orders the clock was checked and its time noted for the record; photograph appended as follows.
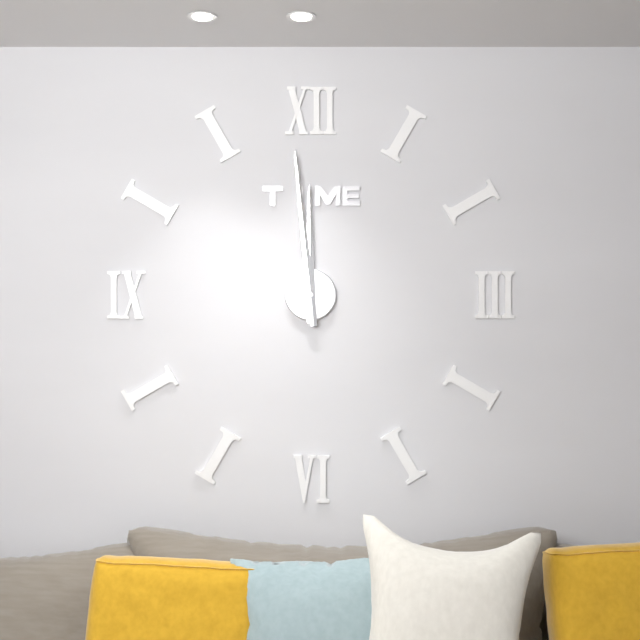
11:59
